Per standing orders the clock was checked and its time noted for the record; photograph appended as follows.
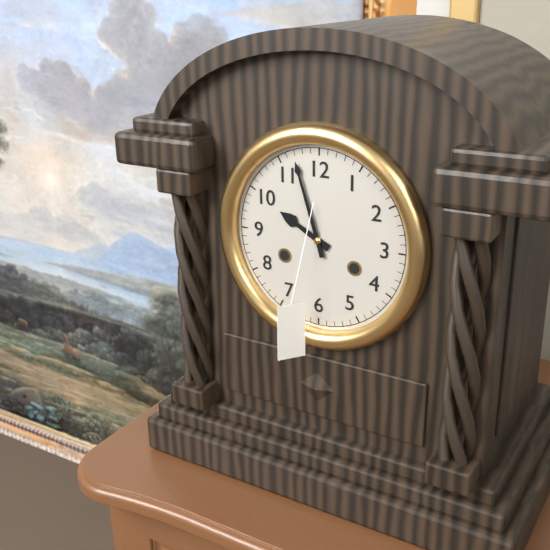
9:57
